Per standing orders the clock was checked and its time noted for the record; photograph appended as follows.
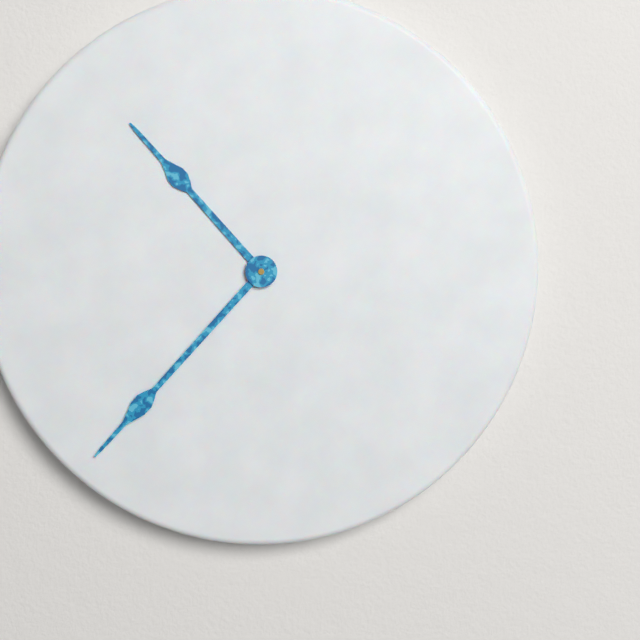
10:37
